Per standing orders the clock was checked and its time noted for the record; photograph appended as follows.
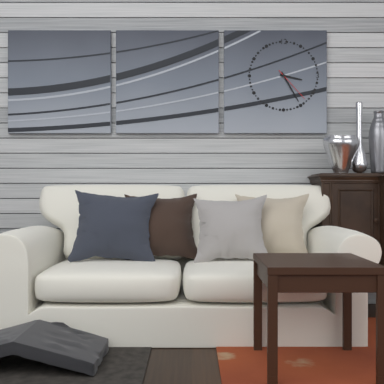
3:25
